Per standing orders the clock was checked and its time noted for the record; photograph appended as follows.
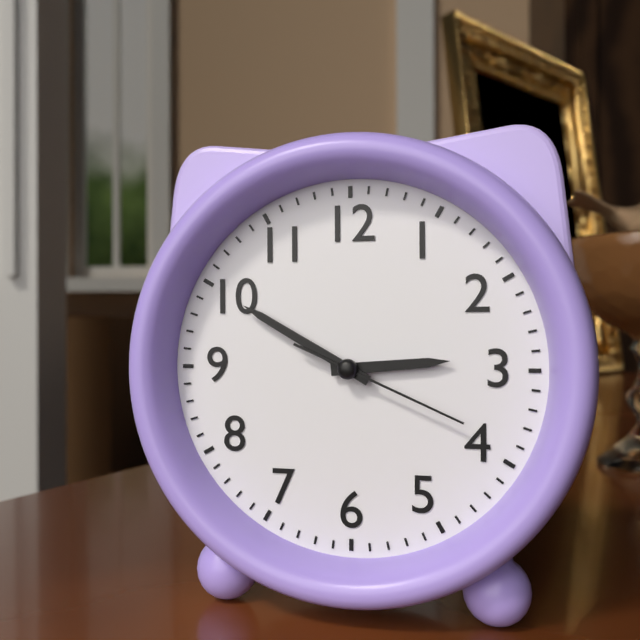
2:50:19
